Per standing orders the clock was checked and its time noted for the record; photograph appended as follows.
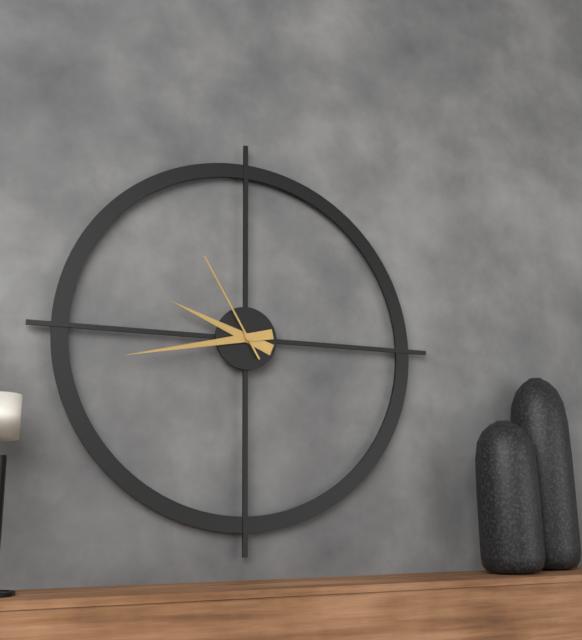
9:43:55
